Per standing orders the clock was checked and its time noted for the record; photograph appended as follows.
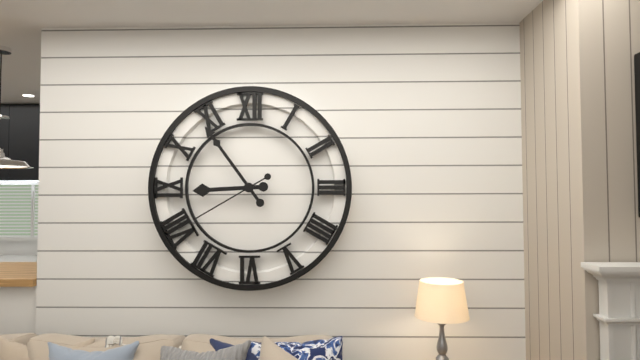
8:54:40
